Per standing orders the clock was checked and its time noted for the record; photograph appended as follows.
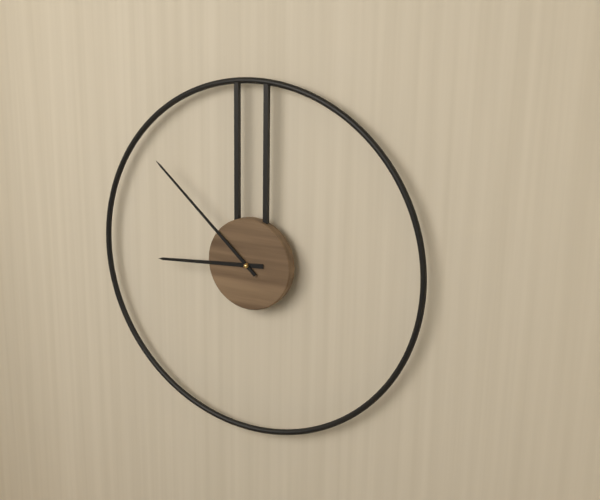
8:52
